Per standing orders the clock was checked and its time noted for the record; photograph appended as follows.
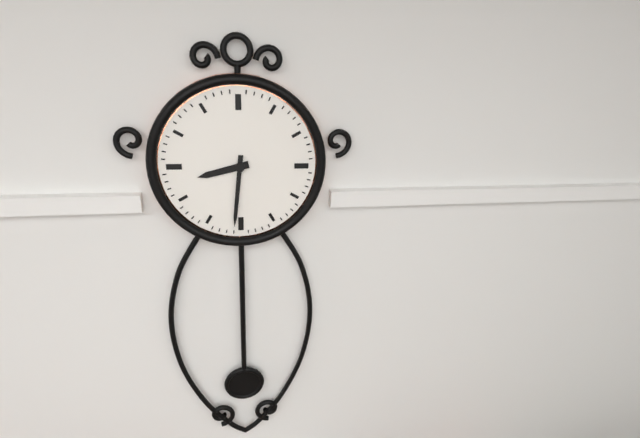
8:31
